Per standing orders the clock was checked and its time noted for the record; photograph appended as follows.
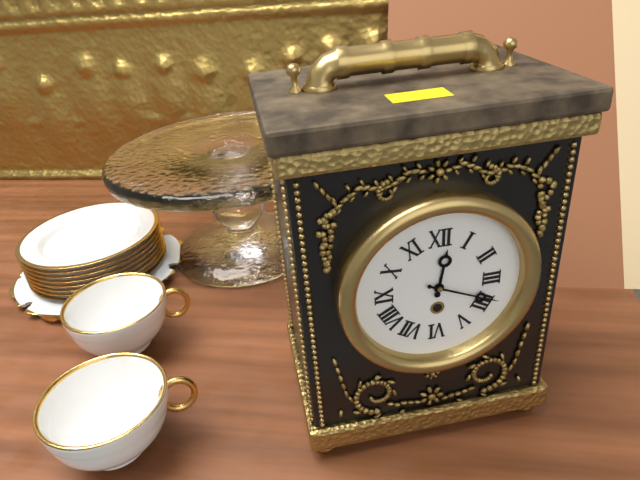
12:19
